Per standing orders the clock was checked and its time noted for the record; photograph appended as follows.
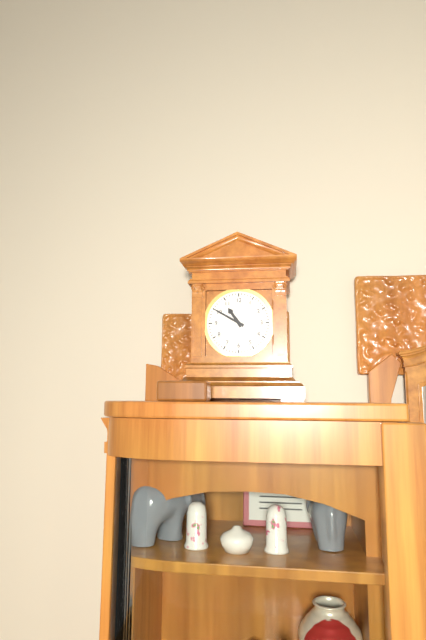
10:50
